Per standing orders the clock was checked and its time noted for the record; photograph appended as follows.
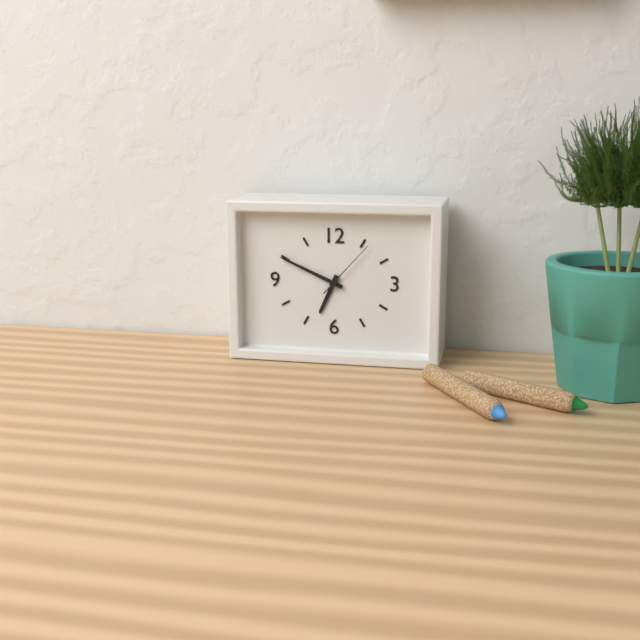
6:49:07
